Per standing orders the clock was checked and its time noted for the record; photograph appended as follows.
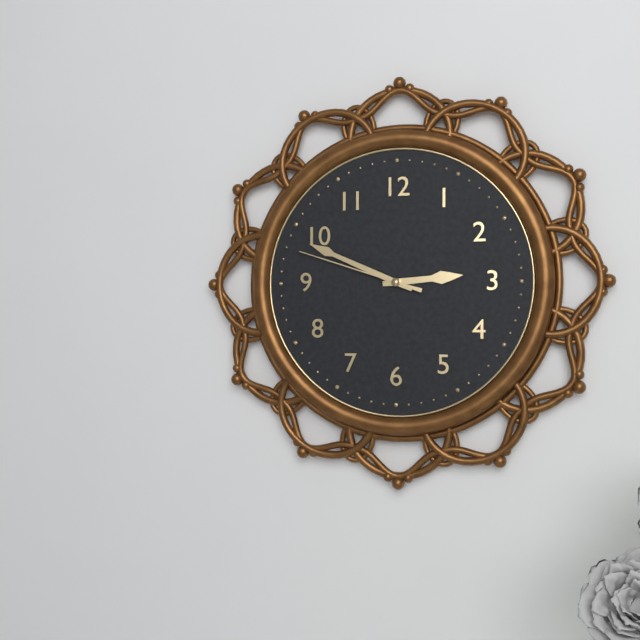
2:49:48
